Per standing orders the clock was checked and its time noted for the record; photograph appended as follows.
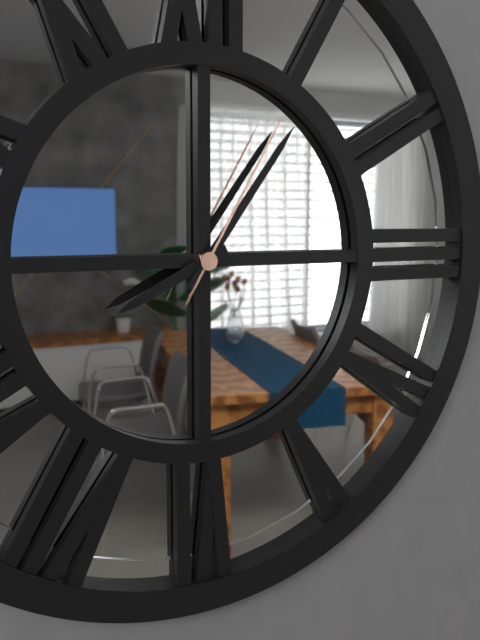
8:06:05
